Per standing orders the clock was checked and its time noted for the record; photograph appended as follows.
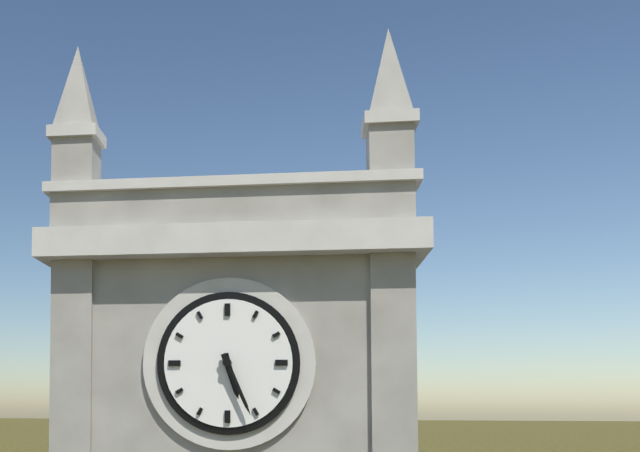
5:26
